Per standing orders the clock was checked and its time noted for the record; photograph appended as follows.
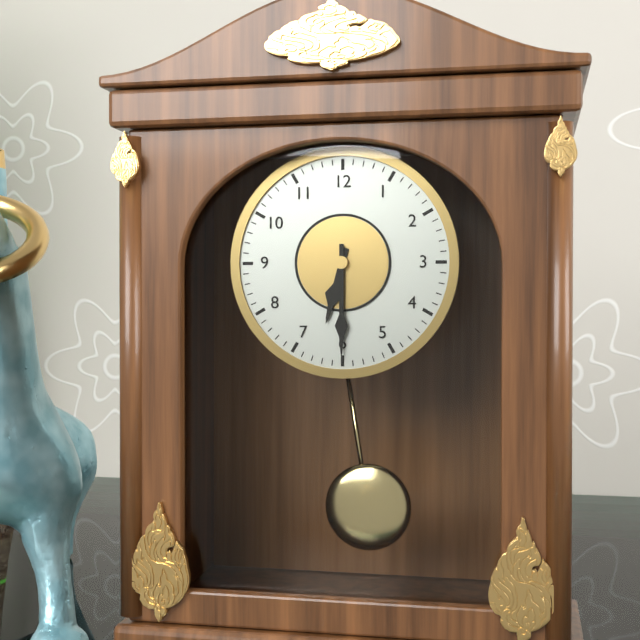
6:30
